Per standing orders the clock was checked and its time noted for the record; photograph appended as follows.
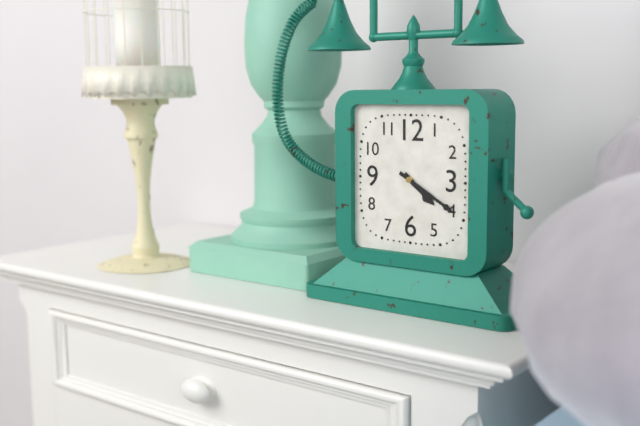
4:20
